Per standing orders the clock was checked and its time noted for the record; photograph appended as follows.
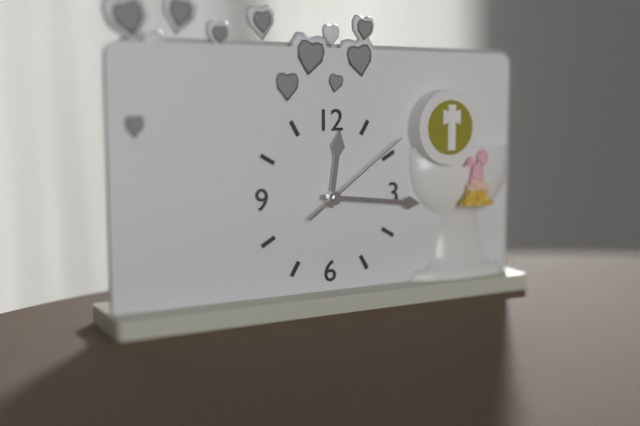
12:16:09
